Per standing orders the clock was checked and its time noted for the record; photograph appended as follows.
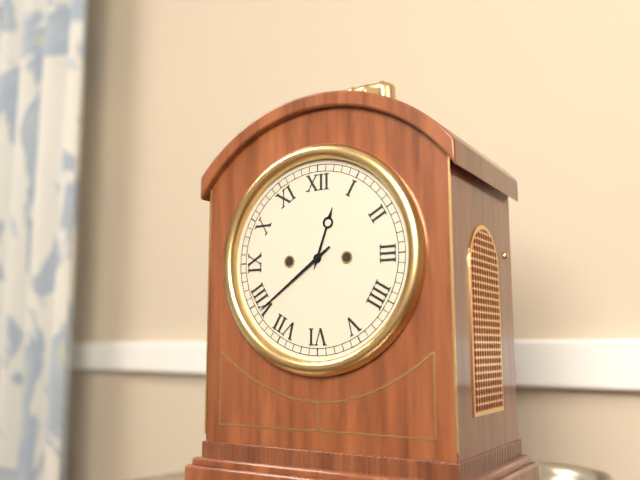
12:39
